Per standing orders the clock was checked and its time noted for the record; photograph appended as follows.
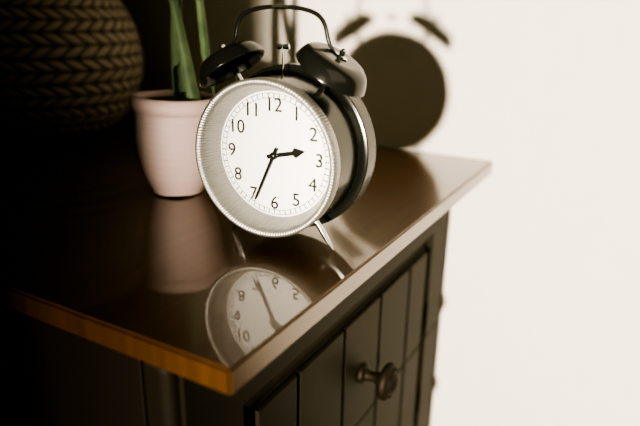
2:34
